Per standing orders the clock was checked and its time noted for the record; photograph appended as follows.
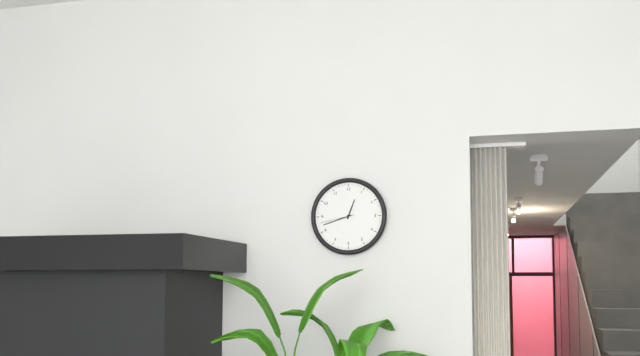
12:42
